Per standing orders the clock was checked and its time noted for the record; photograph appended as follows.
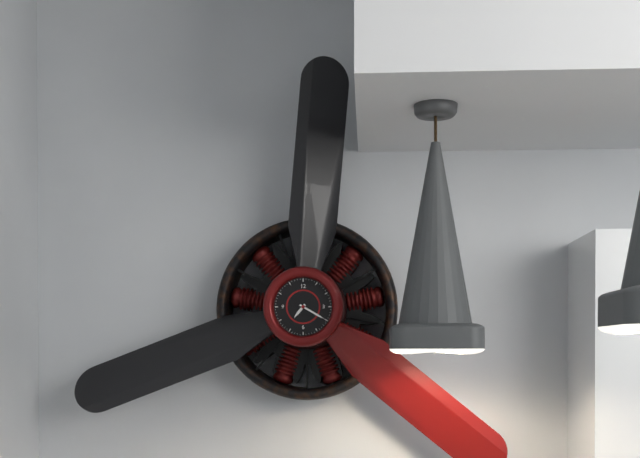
7:20
